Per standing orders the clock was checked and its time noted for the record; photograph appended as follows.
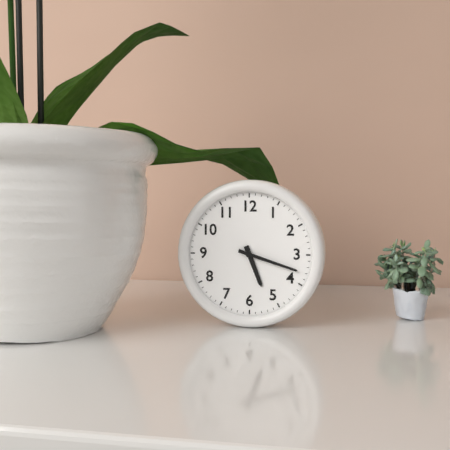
5:18
